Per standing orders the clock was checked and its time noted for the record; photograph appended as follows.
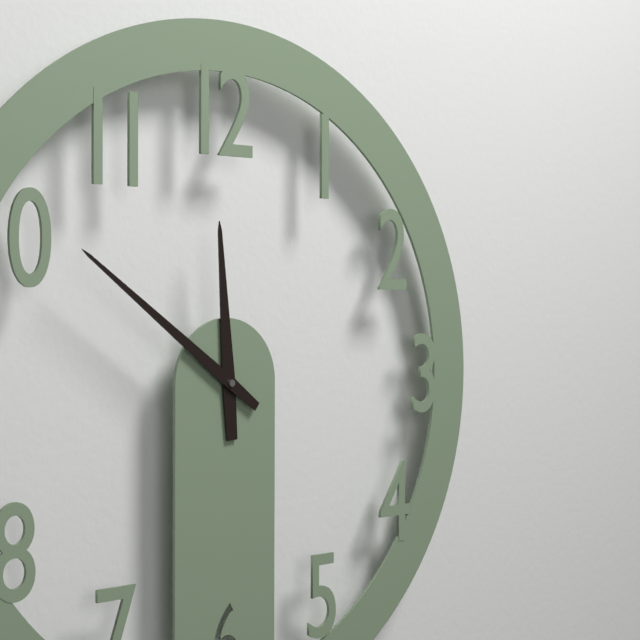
11:51
